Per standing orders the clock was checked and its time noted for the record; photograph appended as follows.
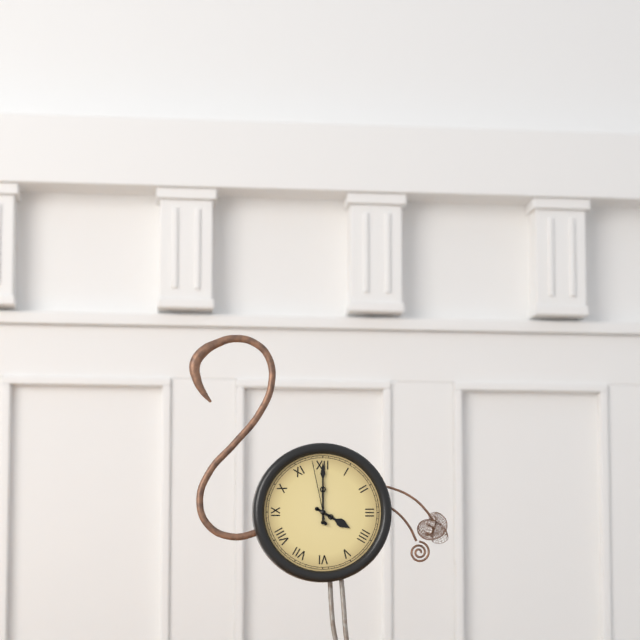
4:00:58
